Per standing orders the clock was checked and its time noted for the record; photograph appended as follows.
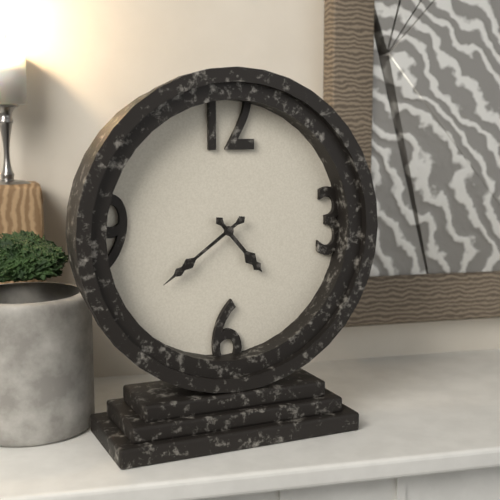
4:39
